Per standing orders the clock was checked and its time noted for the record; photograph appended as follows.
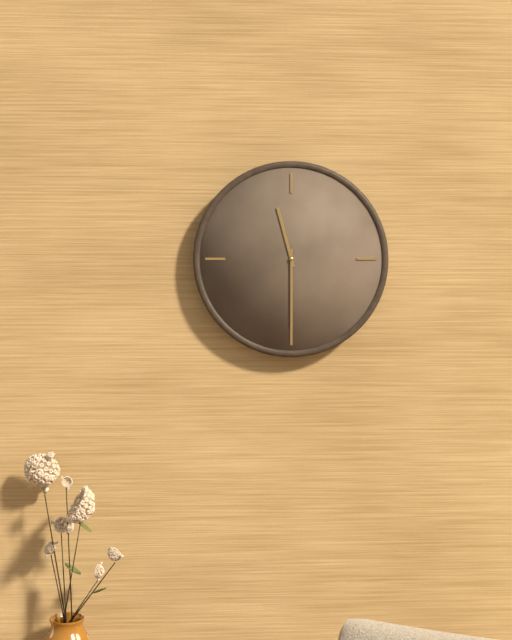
11:30
